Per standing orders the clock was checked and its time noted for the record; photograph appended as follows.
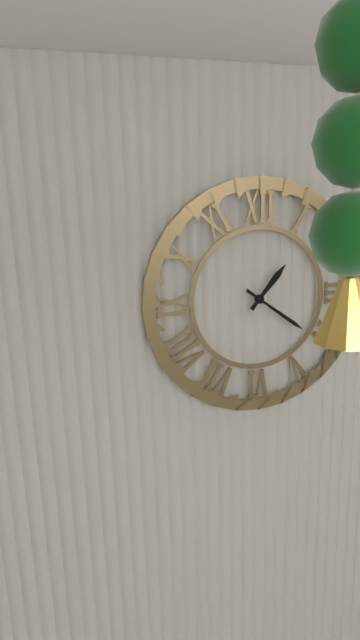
1:21
